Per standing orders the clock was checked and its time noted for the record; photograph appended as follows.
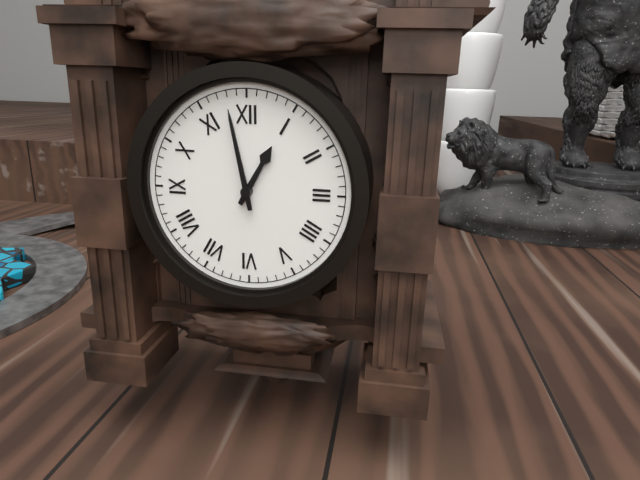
12:58
